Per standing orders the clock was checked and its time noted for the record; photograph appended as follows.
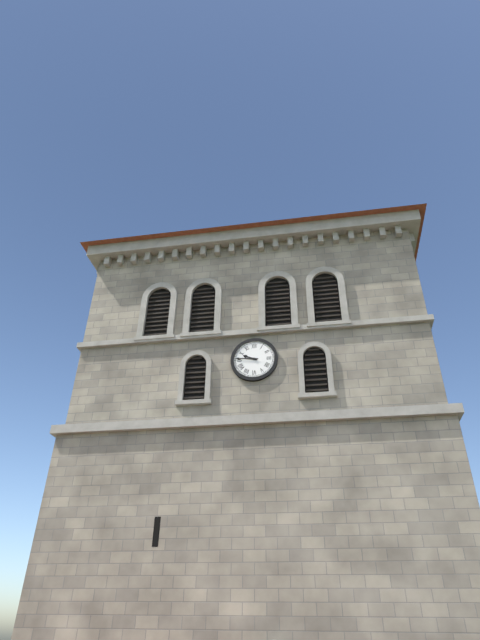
9:46
